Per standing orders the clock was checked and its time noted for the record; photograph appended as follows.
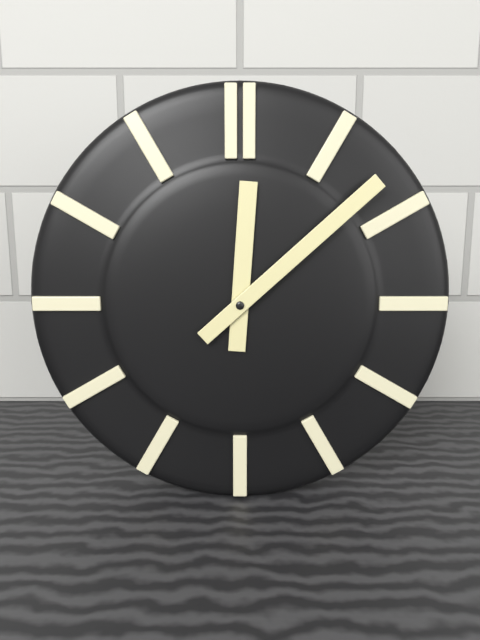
12:08
